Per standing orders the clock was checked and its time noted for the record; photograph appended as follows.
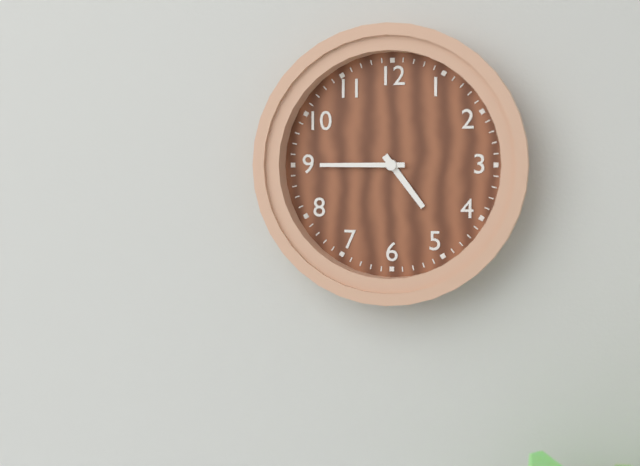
4:45
